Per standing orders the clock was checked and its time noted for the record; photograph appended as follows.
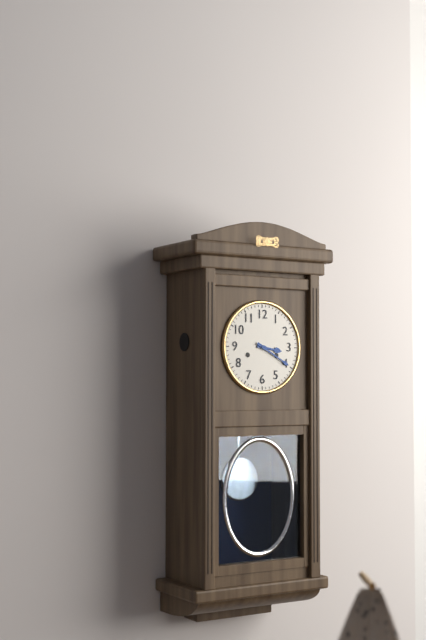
3:20
